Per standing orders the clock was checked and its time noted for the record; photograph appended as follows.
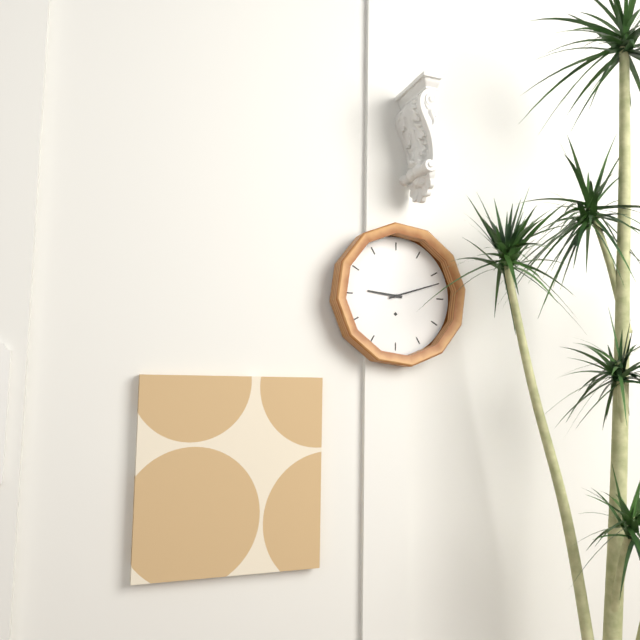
9:12
